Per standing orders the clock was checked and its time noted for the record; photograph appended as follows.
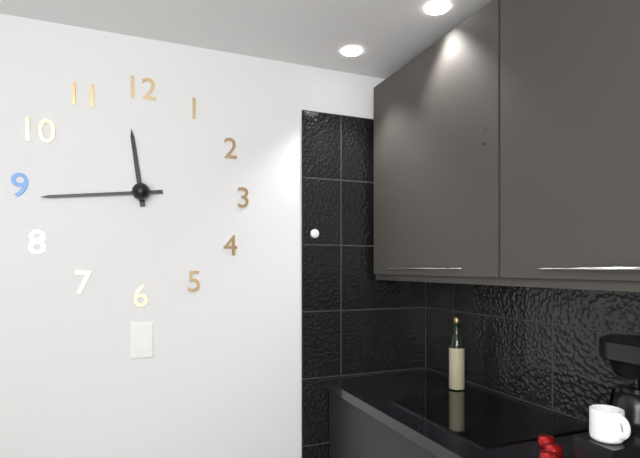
11:44
